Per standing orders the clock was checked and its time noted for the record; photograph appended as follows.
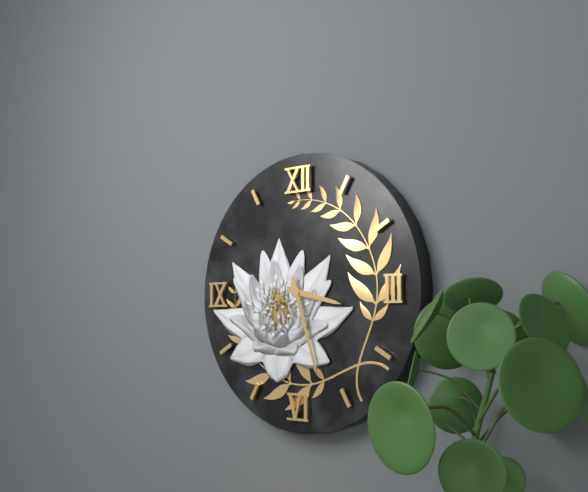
3:27
